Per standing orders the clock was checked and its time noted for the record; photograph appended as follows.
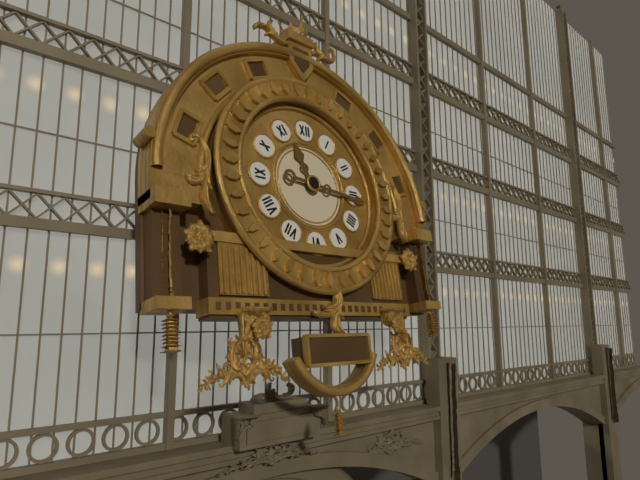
11:16
